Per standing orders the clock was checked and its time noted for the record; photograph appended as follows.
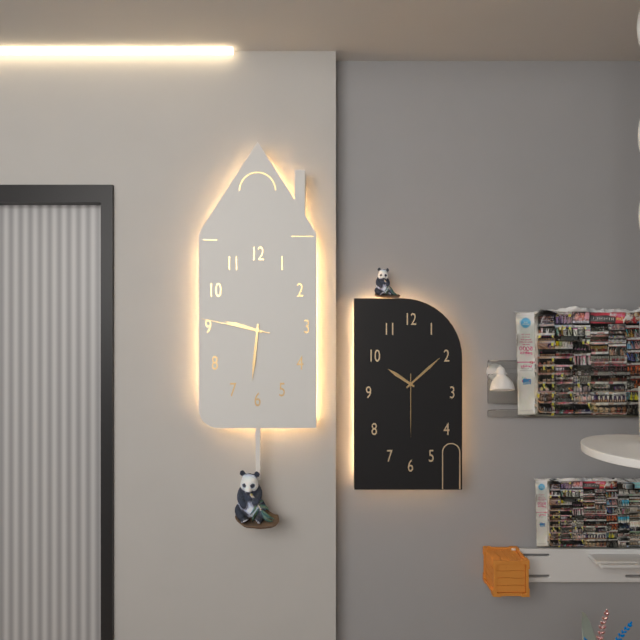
9:31:47
